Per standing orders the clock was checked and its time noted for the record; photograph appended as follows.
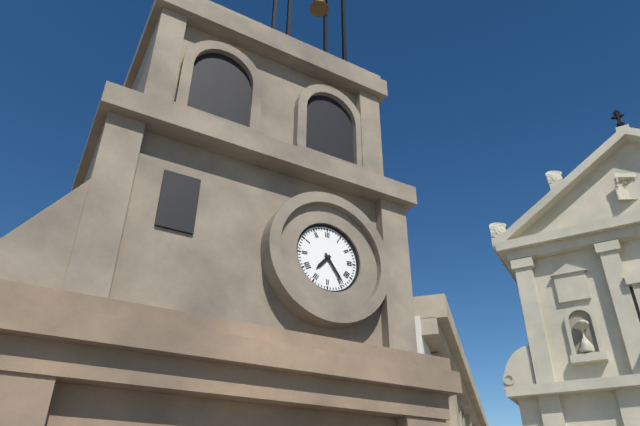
7:24
